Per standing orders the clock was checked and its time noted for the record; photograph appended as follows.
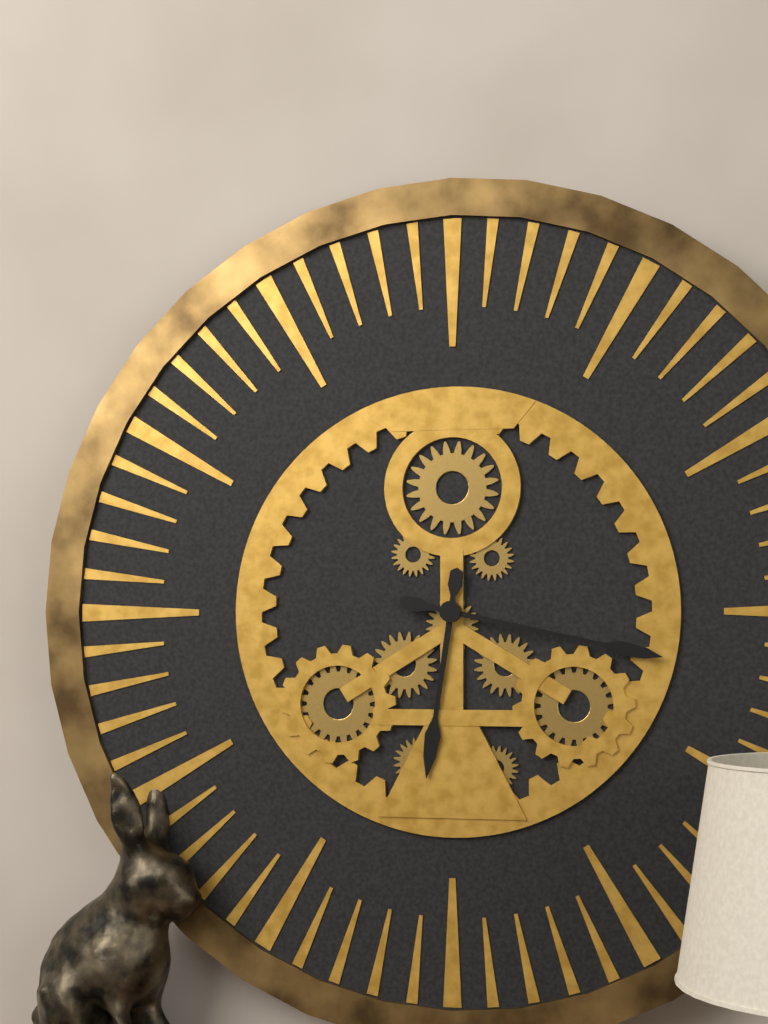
6:17
